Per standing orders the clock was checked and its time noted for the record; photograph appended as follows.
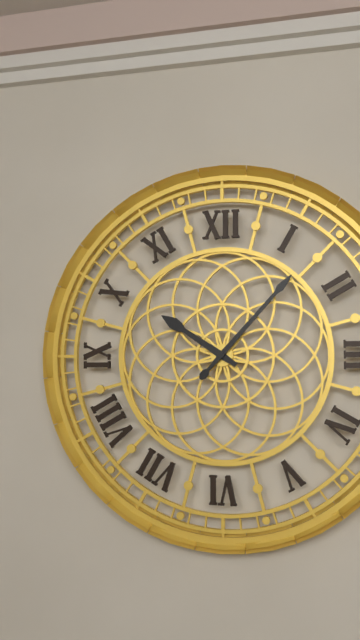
10:07
